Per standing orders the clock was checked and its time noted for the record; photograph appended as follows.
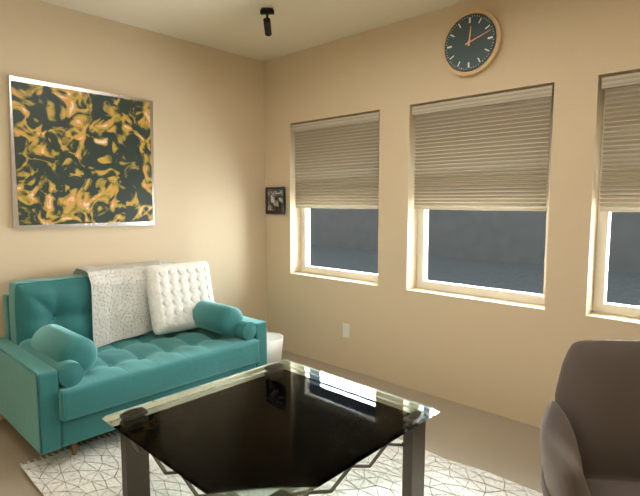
12:12
